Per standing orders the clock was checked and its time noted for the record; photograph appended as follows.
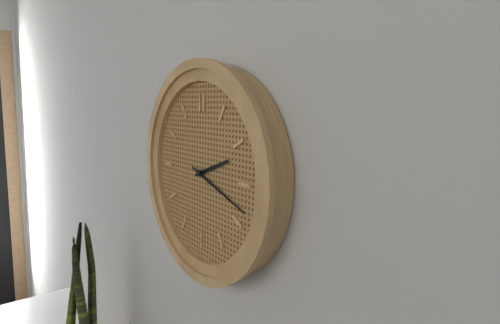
2:18
